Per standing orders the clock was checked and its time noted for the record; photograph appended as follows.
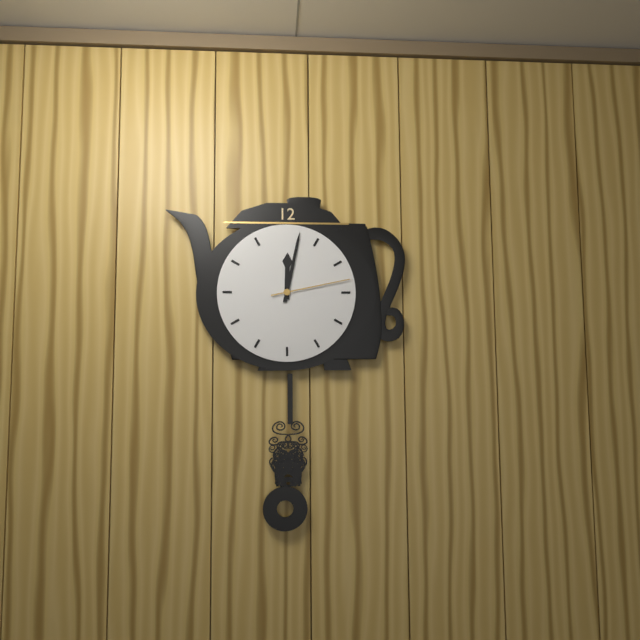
12:02:13
